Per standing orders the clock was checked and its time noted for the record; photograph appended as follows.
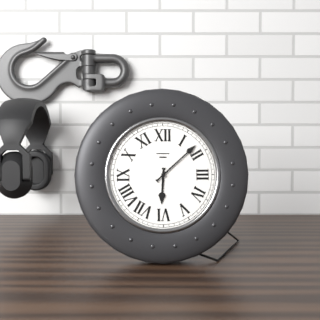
6:08
